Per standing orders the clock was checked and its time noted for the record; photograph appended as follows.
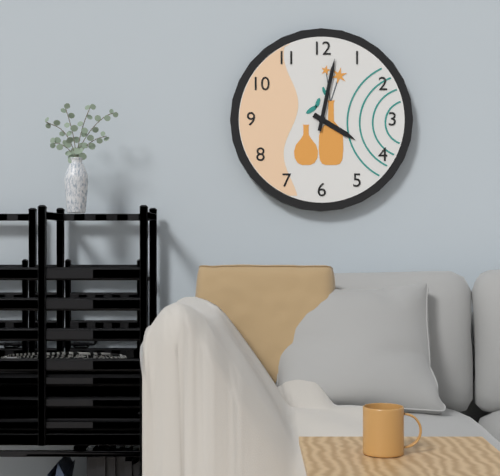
4:02
